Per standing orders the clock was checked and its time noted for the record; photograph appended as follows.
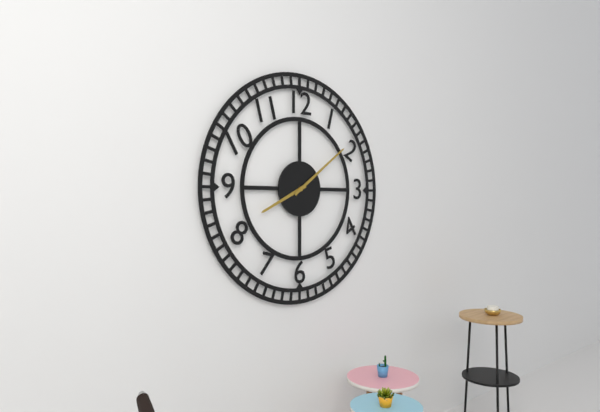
8:09
